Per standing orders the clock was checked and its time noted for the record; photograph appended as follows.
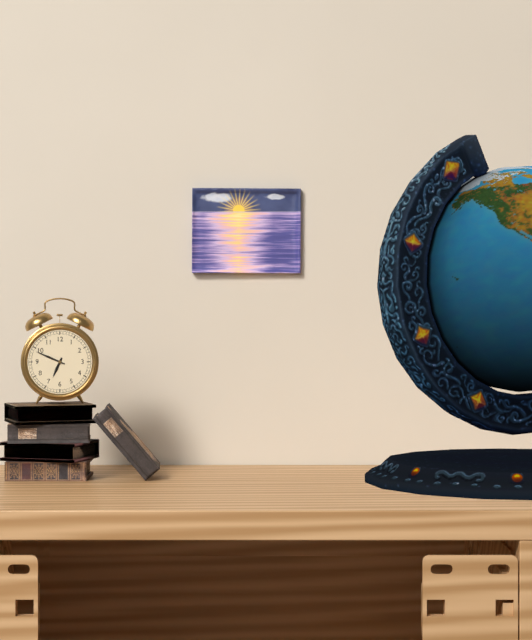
6:49
